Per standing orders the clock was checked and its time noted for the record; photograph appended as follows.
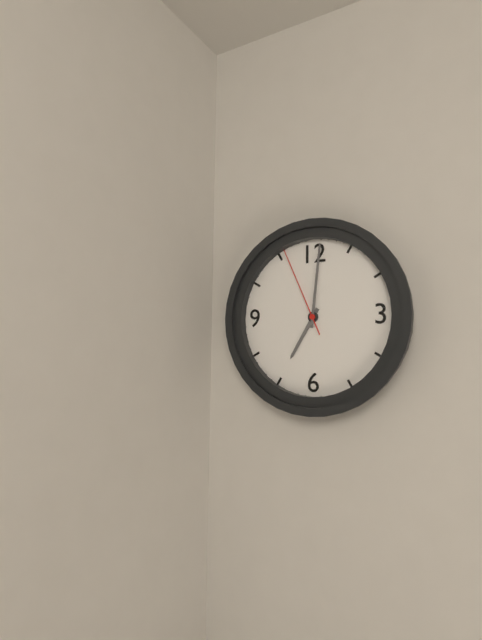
7:01:56
